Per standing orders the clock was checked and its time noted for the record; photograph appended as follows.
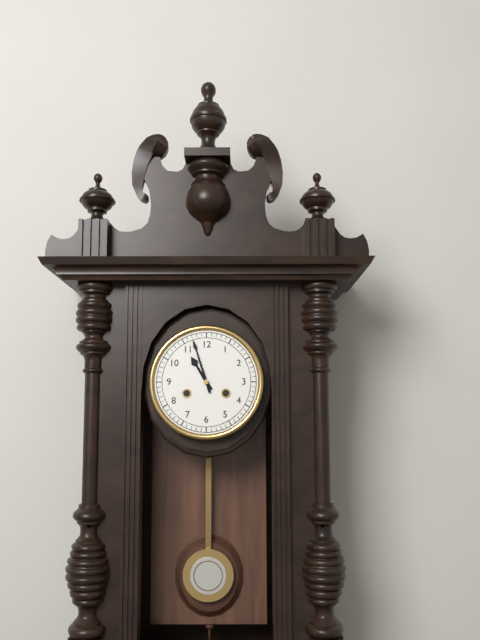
10:57
